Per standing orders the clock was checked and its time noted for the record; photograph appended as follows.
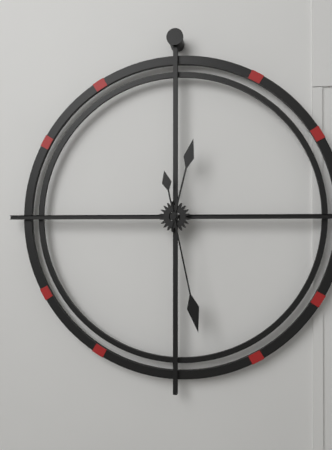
12:28
